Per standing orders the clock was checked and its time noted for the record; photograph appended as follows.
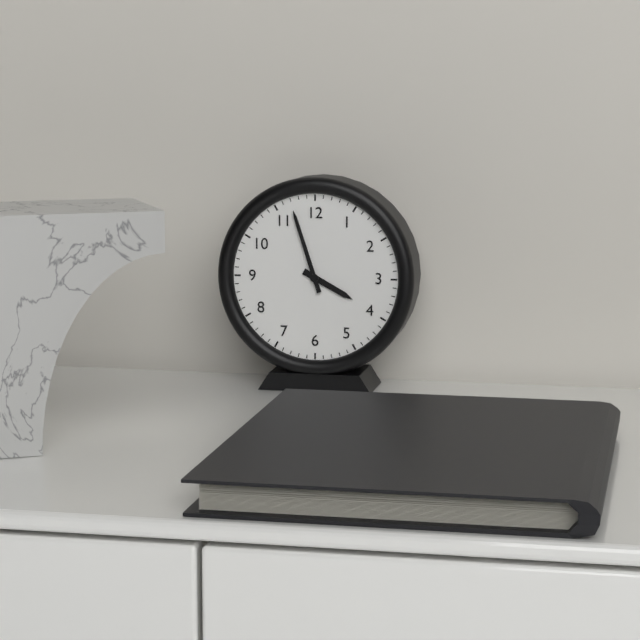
3:57
